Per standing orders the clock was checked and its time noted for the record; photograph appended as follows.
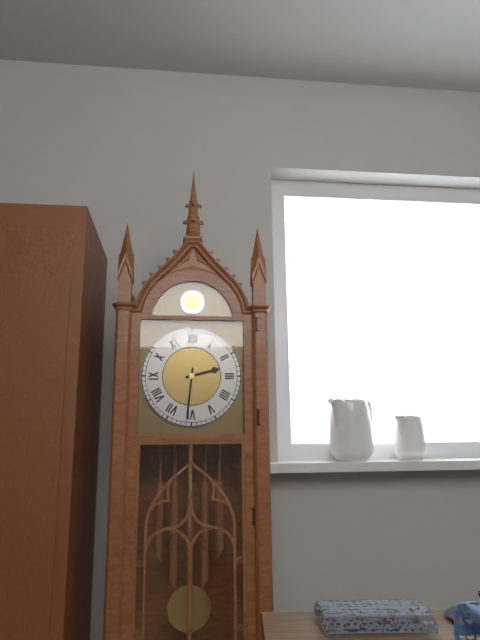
2:31
